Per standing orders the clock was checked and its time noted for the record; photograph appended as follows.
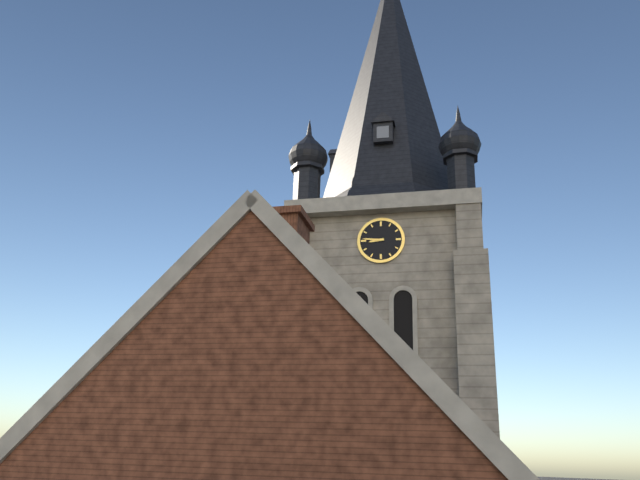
8:46
